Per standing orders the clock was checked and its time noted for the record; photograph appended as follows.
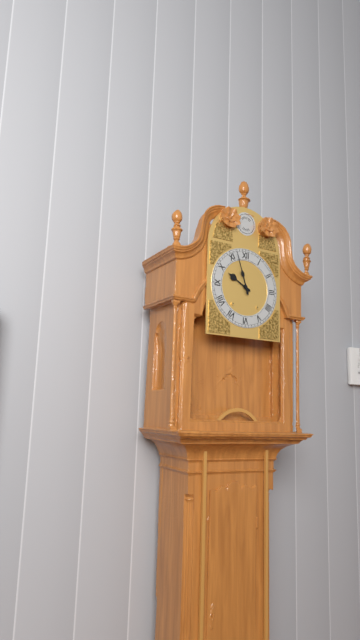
9:57
